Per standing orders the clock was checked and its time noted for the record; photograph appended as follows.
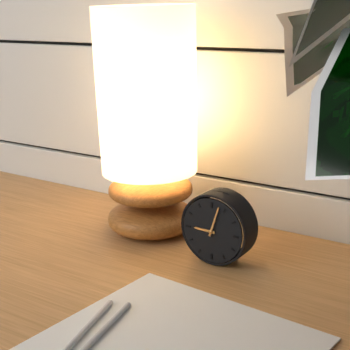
9:03
